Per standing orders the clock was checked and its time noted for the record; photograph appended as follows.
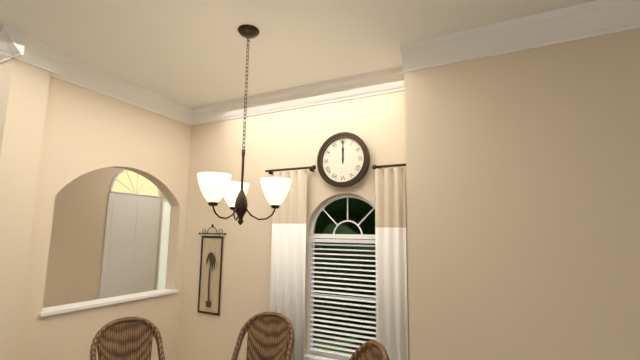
12:00
